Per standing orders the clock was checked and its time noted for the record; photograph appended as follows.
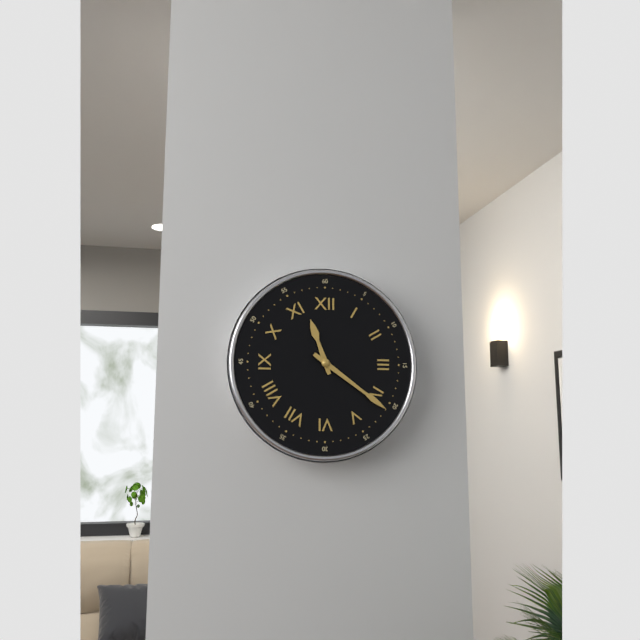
11:21
